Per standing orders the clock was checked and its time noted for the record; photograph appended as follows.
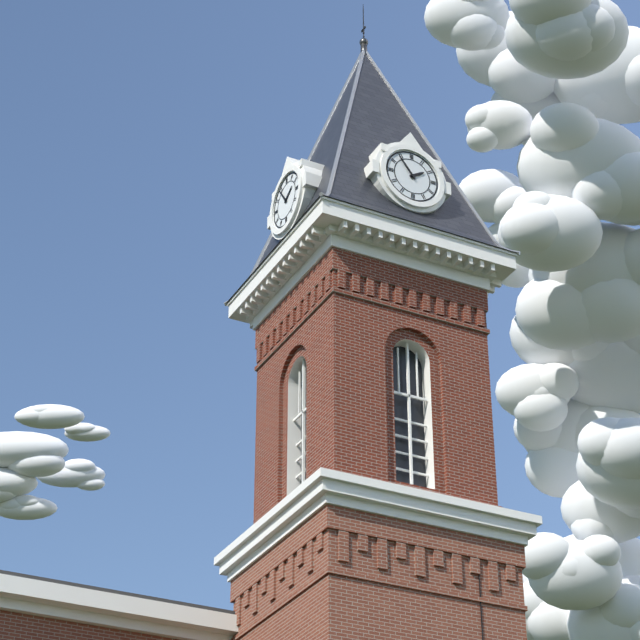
1:54
